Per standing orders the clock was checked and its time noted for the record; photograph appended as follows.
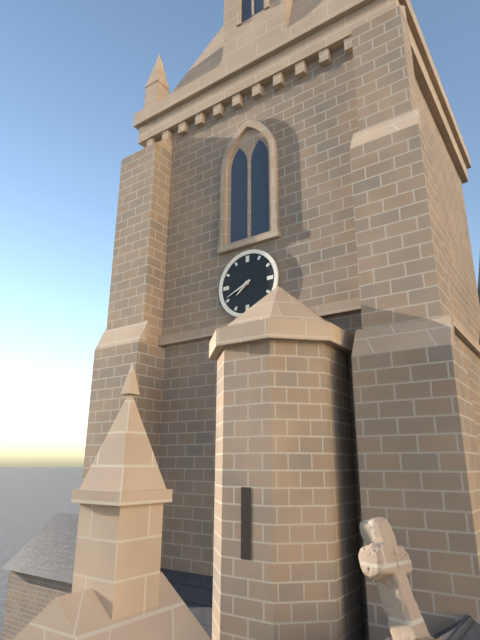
7:41
